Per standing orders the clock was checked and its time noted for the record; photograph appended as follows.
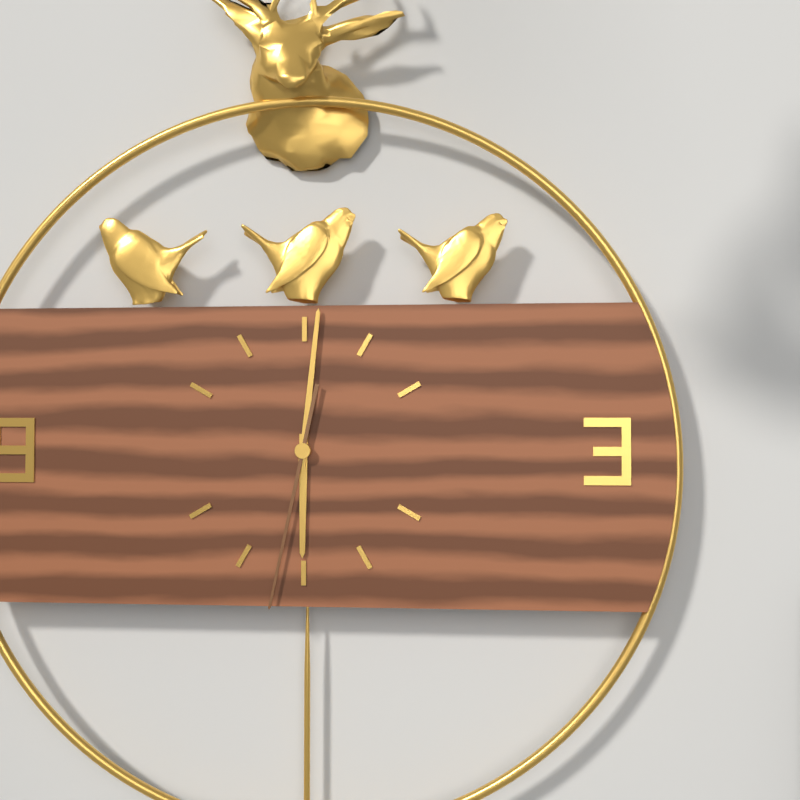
6:01:32
